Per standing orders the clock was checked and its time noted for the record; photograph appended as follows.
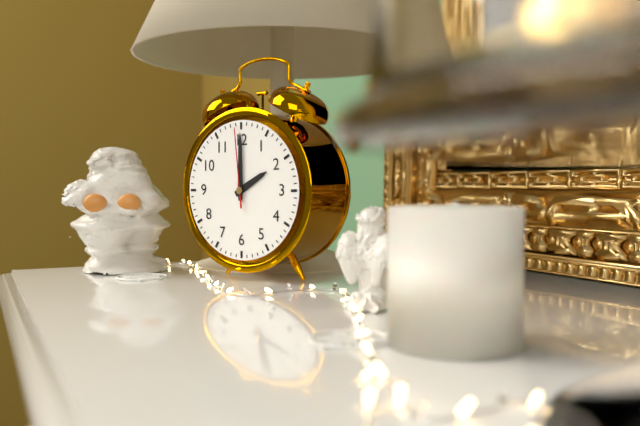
2:00:59
